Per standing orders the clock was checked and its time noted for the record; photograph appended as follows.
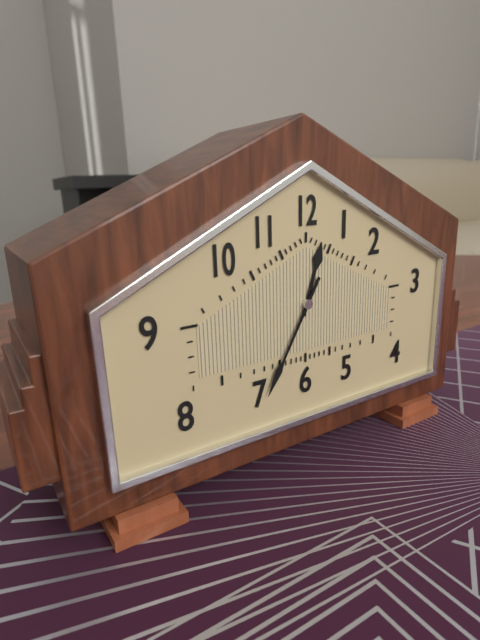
12:35
